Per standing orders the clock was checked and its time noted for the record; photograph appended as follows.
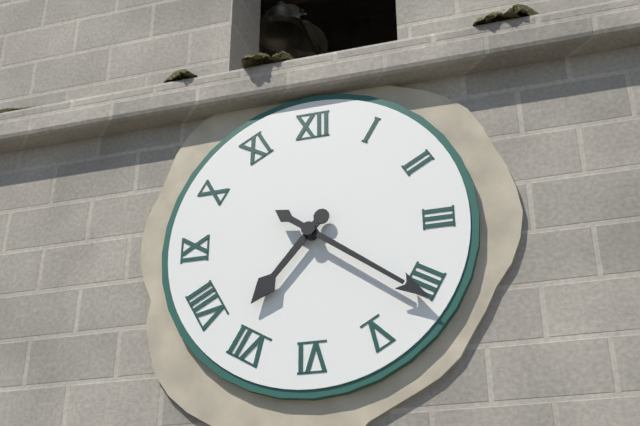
7:21
